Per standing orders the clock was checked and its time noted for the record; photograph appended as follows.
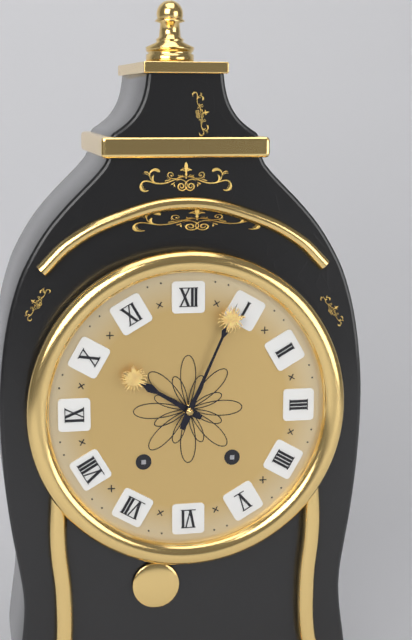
10:04
